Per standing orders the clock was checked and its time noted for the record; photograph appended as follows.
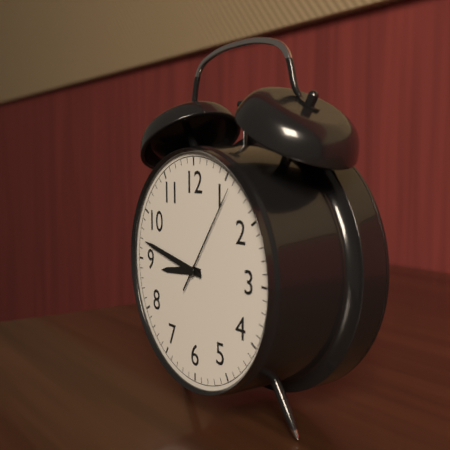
8:47:06
